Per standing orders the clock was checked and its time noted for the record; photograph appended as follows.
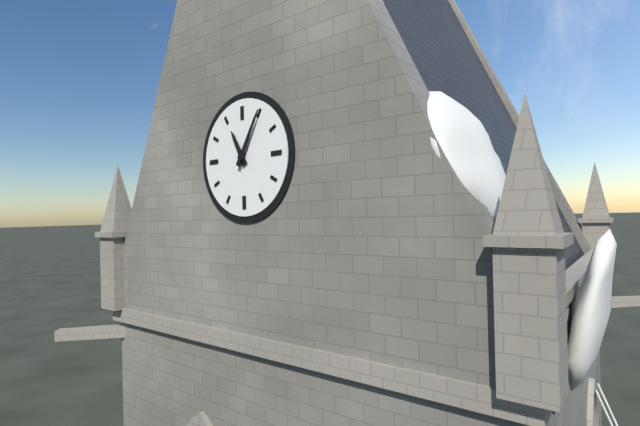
11:05
